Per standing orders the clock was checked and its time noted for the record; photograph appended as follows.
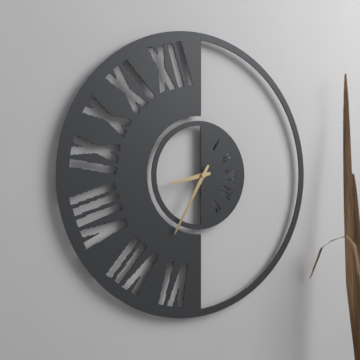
8:35
